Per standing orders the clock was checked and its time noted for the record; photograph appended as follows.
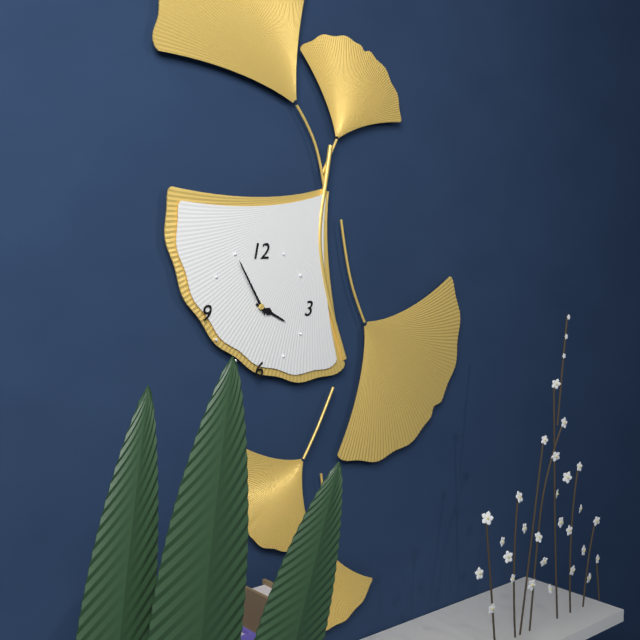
3:55
